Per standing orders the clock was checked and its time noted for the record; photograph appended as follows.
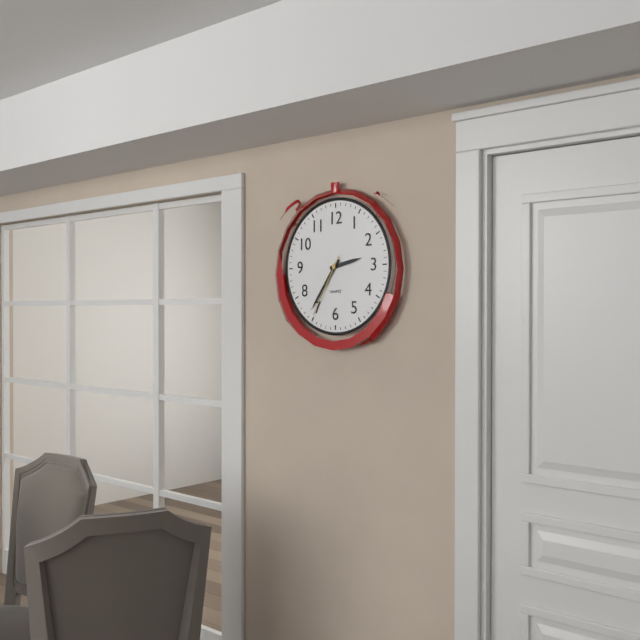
2:36:35
